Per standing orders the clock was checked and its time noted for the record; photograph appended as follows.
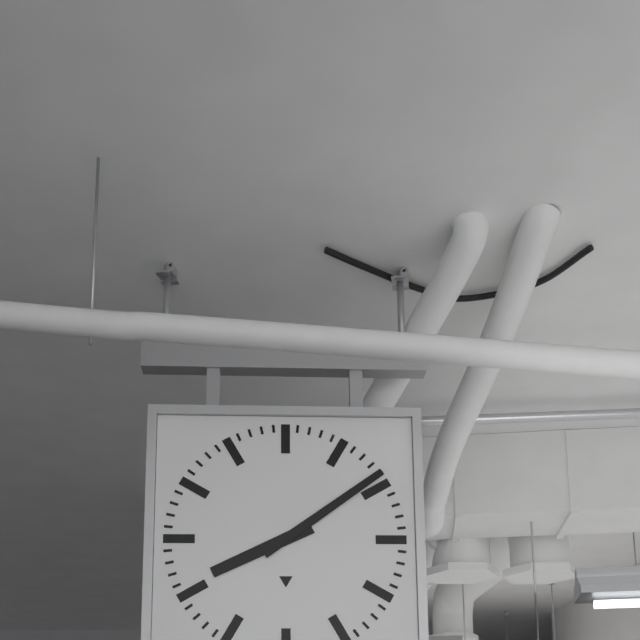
8:09
